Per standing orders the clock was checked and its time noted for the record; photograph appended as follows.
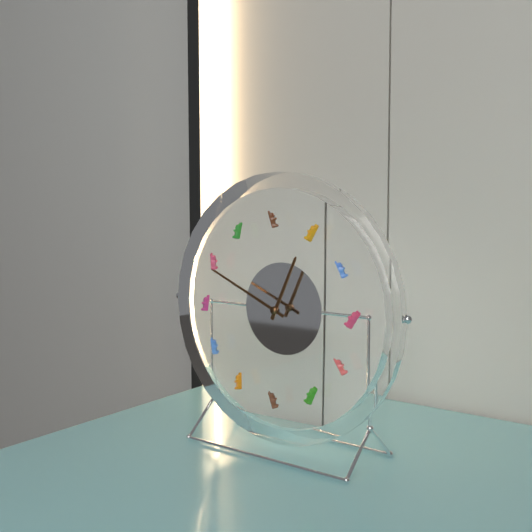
12:49
